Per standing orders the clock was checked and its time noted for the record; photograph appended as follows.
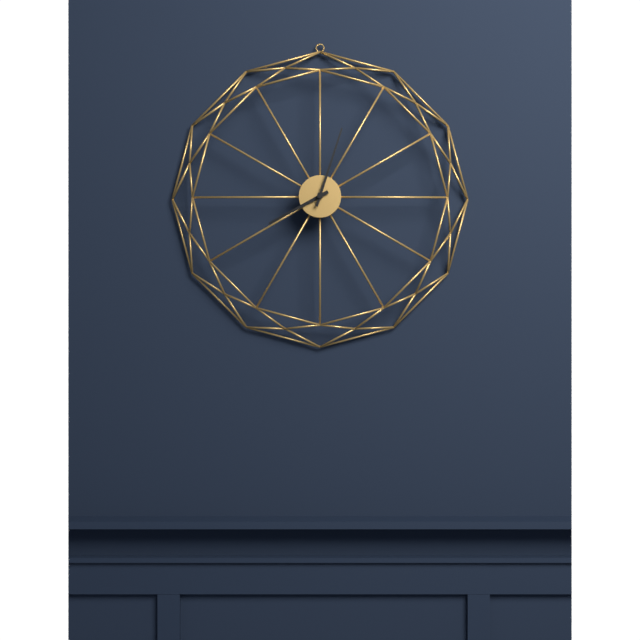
8:03
